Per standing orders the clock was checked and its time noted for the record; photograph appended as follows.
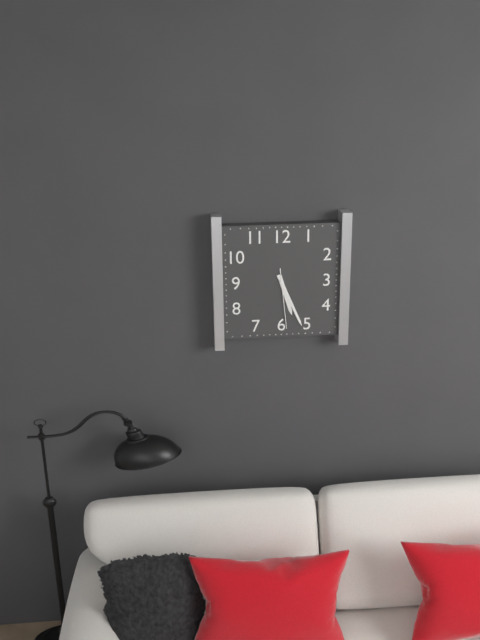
5:26:29
